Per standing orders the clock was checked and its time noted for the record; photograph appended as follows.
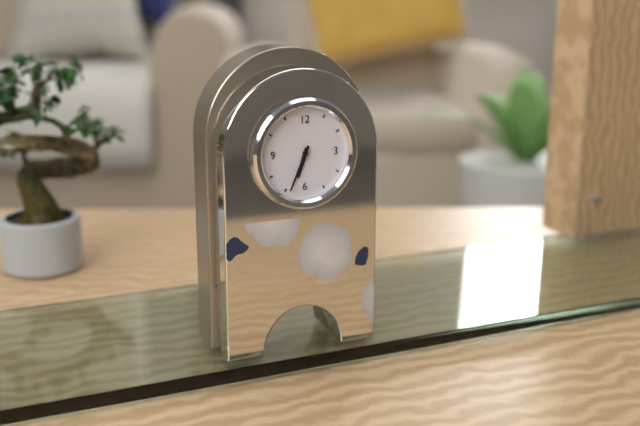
6:34
